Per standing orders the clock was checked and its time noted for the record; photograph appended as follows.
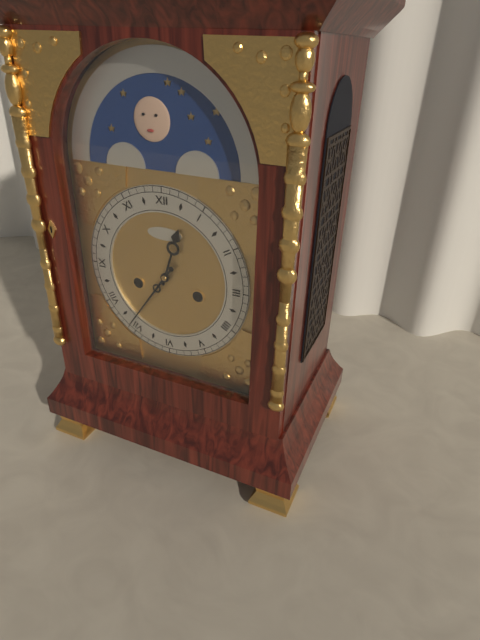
12:36
